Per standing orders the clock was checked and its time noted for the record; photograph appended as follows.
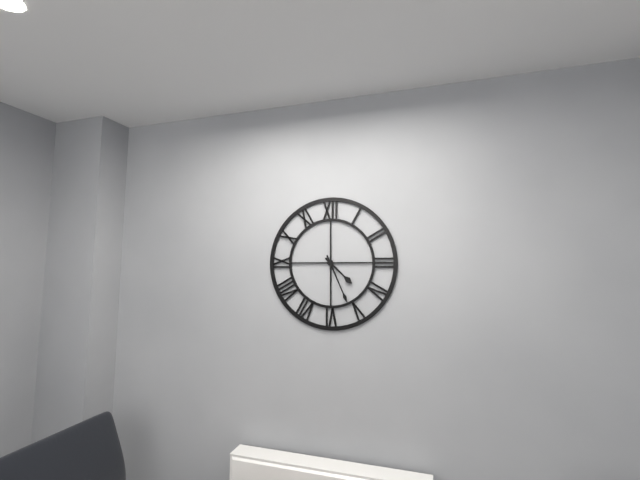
4:26
